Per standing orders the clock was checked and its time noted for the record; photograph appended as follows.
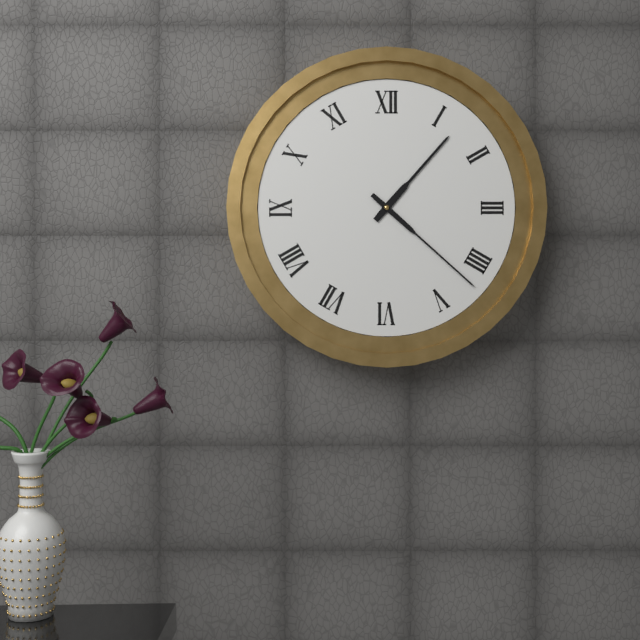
1:22
